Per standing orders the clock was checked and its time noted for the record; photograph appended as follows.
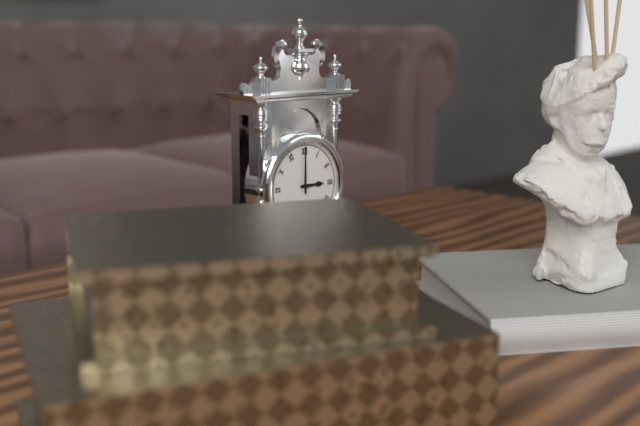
3:00
